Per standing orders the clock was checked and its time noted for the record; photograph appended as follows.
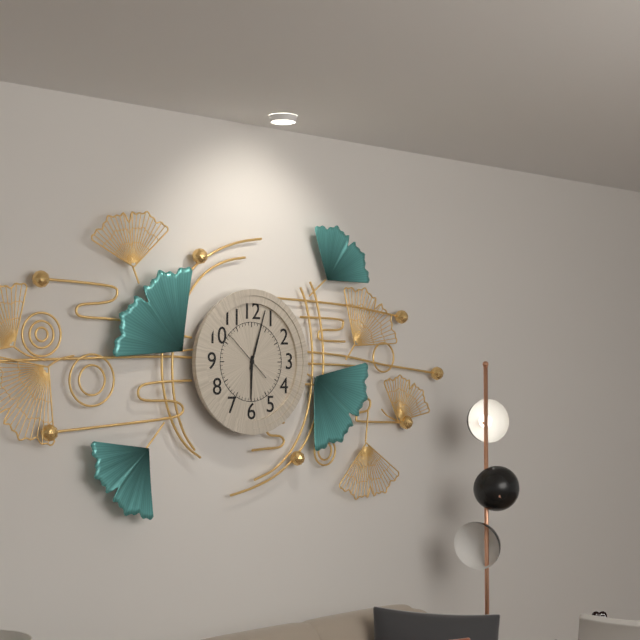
6:03
